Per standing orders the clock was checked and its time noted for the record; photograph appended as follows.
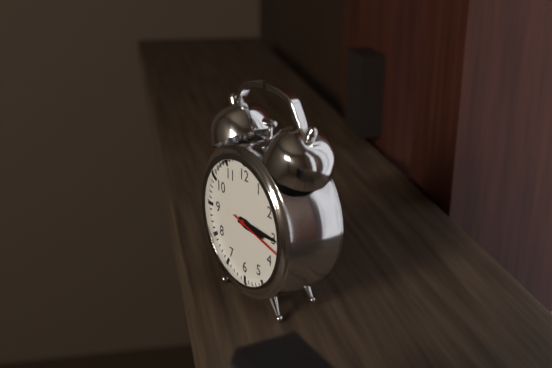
3:15:17
